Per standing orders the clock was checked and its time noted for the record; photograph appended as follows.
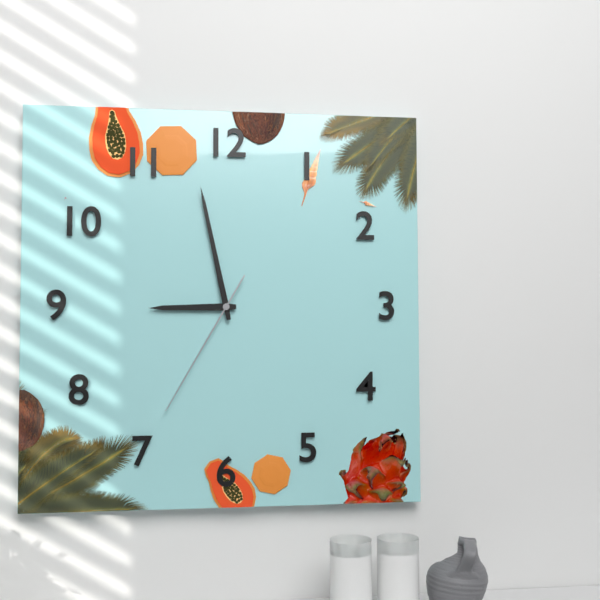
8:58:35
